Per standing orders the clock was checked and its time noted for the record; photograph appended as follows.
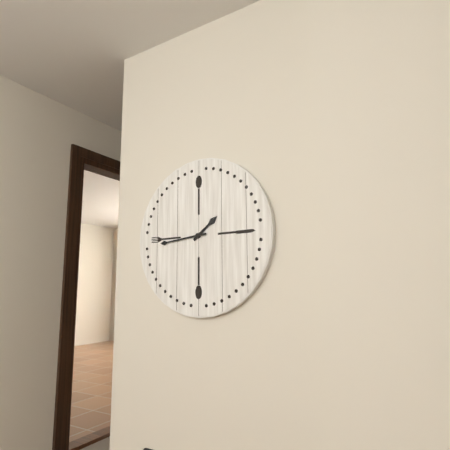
1:44
